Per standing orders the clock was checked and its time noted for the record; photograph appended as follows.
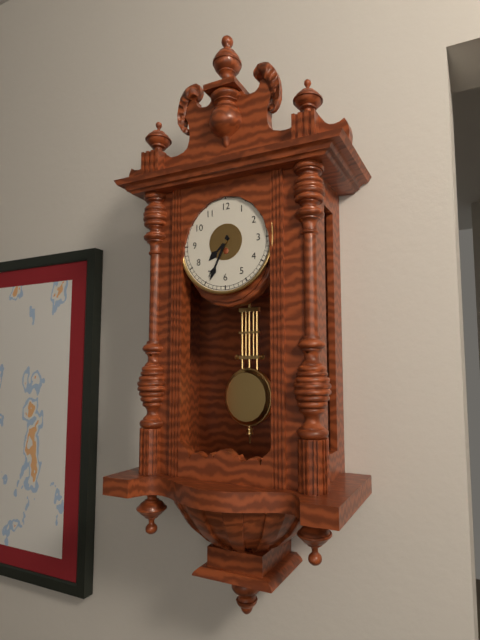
7:34
